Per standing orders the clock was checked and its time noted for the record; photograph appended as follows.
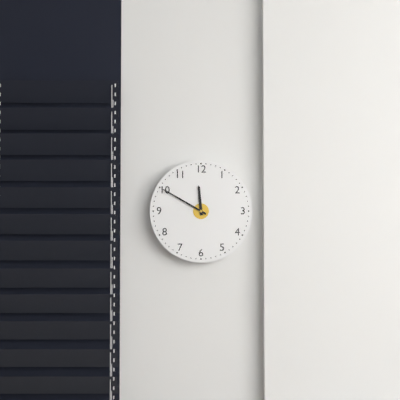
11:50
